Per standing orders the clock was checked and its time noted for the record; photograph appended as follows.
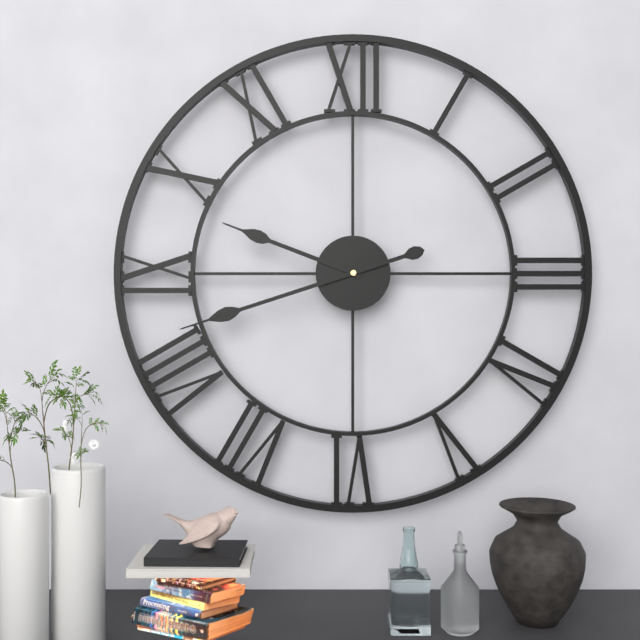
9:42
